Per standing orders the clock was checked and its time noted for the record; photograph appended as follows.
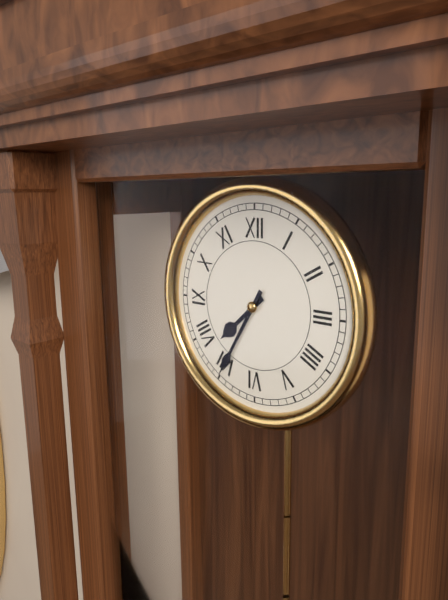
7:35
